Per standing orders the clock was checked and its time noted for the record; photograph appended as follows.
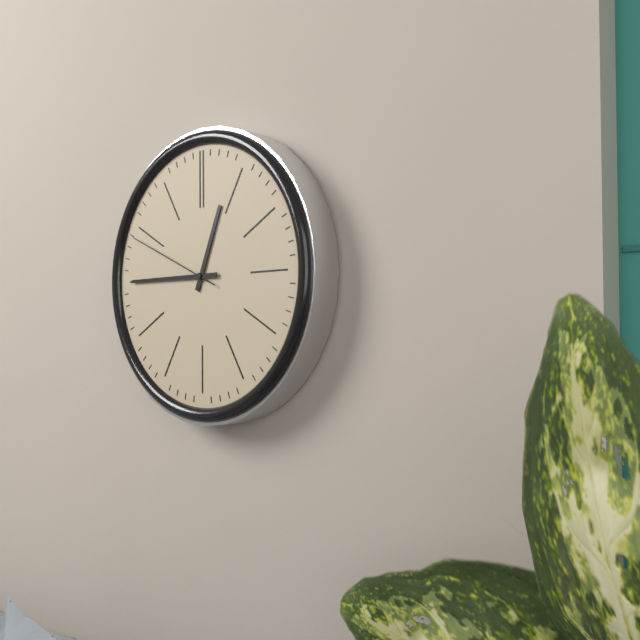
12:45:49
